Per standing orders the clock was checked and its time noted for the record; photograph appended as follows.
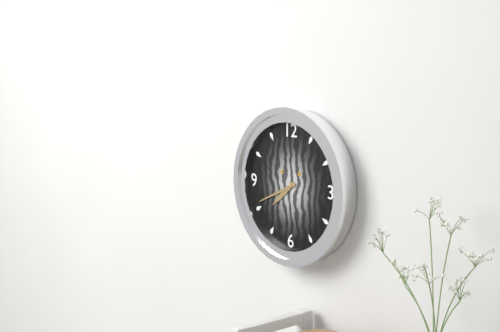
7:41
